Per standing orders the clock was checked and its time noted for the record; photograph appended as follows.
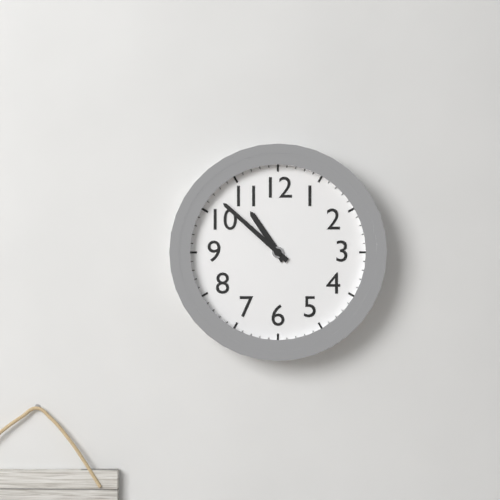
10:52
